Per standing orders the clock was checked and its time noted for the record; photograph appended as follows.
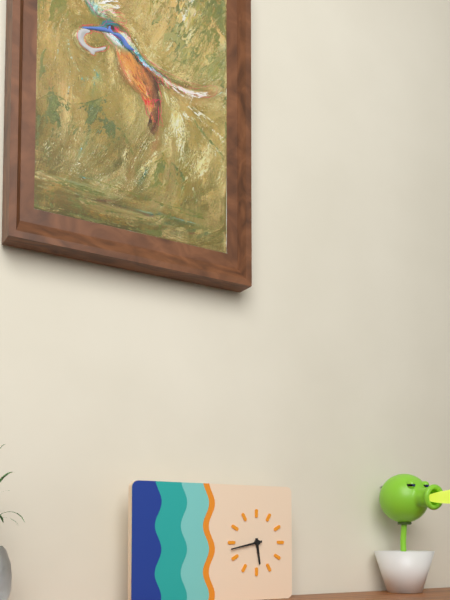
5:43
